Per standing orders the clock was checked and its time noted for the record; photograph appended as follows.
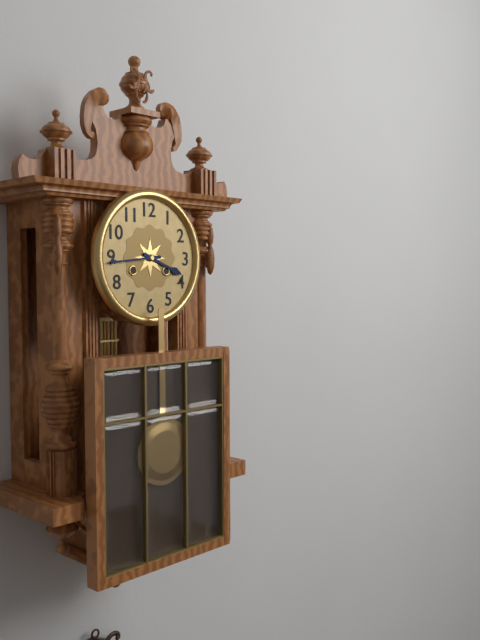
3:44
